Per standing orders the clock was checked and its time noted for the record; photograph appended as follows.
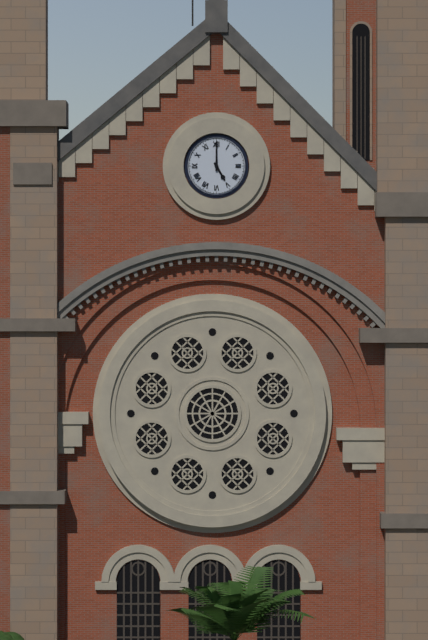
5:00
